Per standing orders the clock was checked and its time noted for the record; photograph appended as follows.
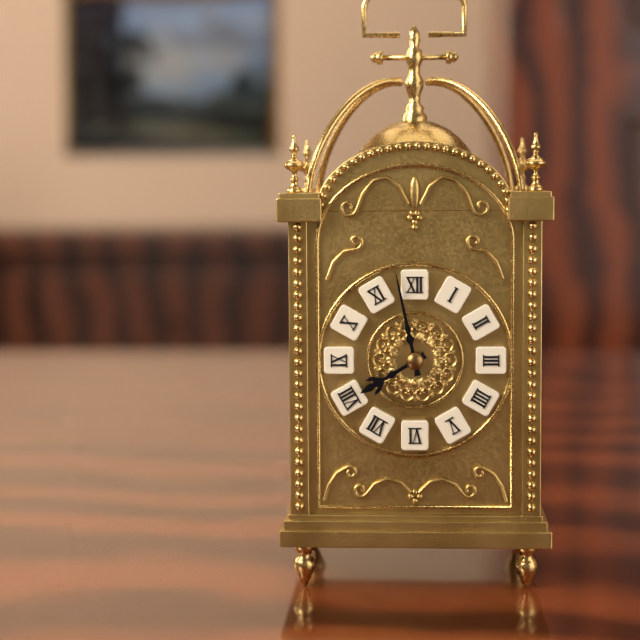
7:58
